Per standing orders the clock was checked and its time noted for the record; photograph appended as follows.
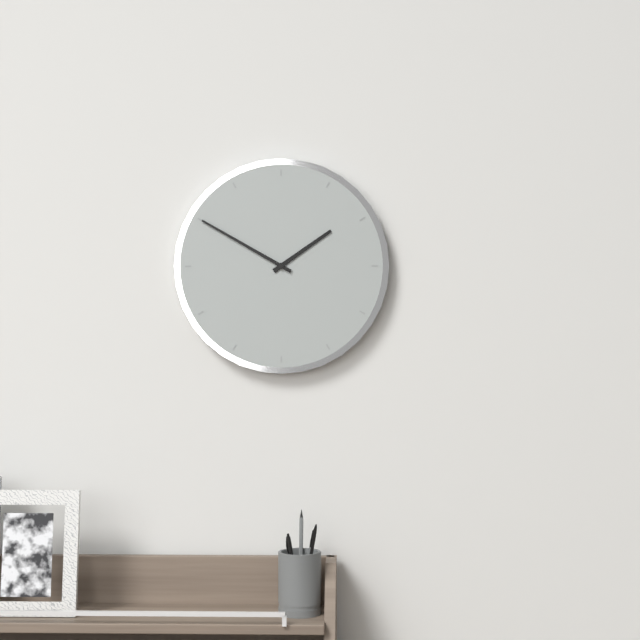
1:50
